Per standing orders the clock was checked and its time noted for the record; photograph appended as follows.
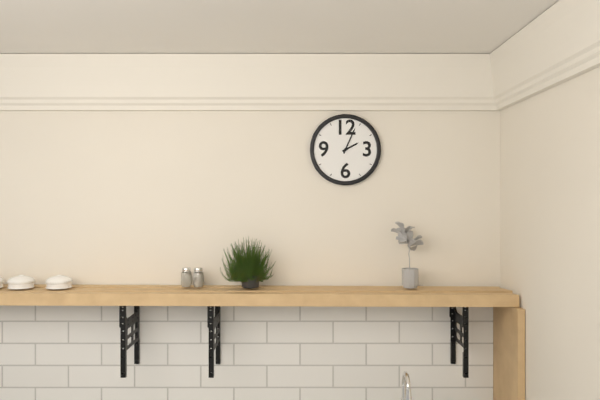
2:04
